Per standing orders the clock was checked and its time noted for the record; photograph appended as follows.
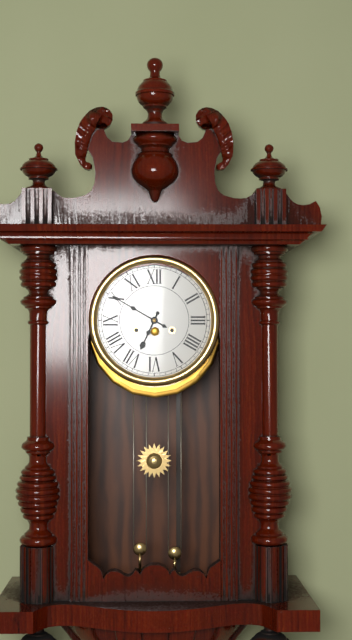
6:50
